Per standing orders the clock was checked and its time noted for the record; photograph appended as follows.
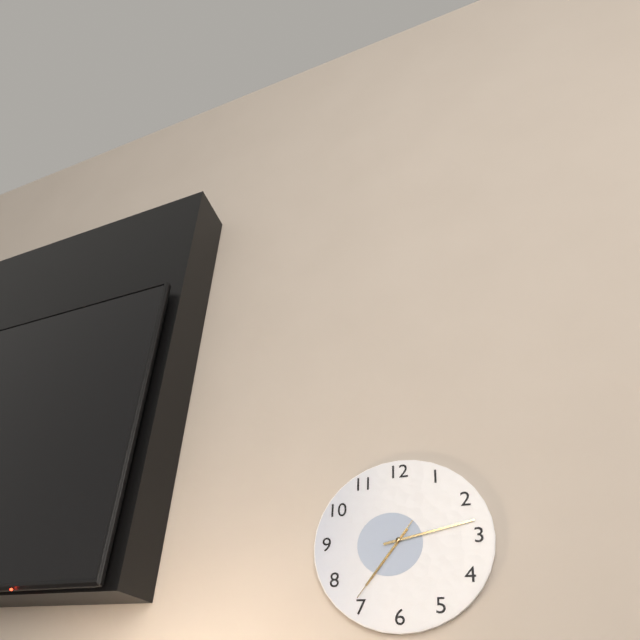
7:13:36
